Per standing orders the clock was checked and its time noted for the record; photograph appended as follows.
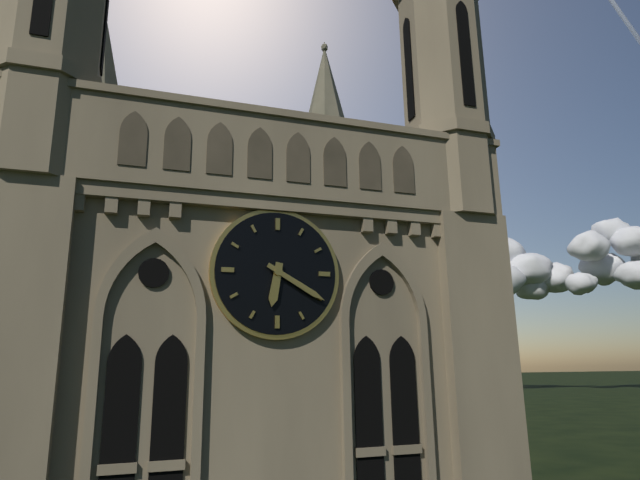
6:20
